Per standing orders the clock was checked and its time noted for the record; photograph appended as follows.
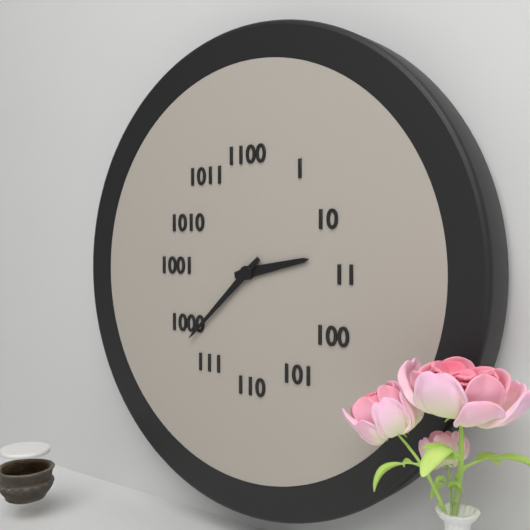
2:38
